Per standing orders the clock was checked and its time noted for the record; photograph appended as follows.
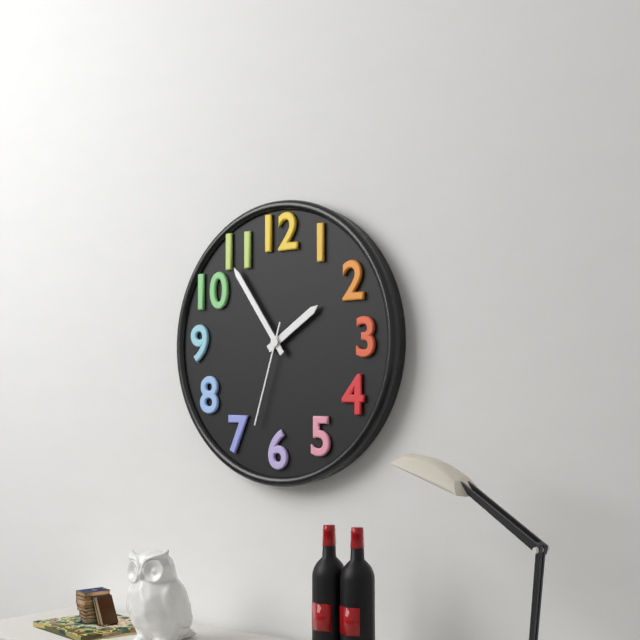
1:54:33
